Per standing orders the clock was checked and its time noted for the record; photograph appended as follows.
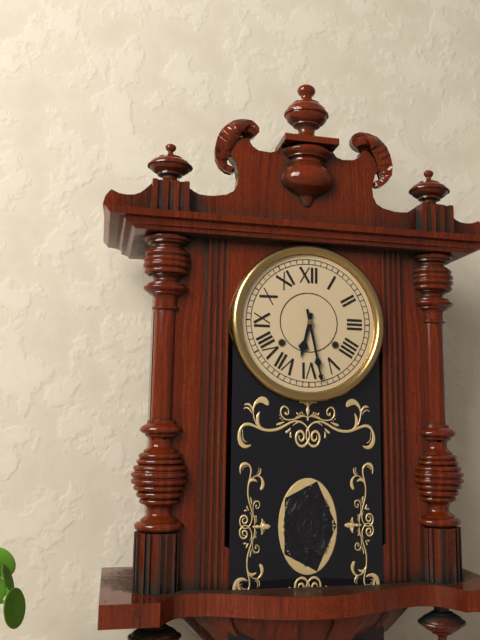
6:28
